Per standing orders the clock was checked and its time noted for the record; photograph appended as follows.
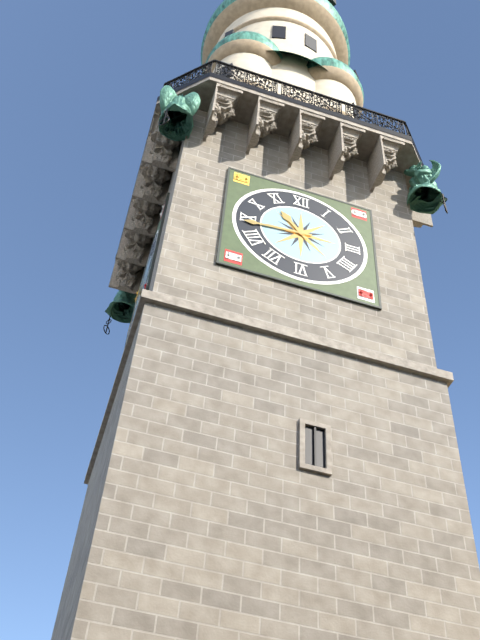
10:44
